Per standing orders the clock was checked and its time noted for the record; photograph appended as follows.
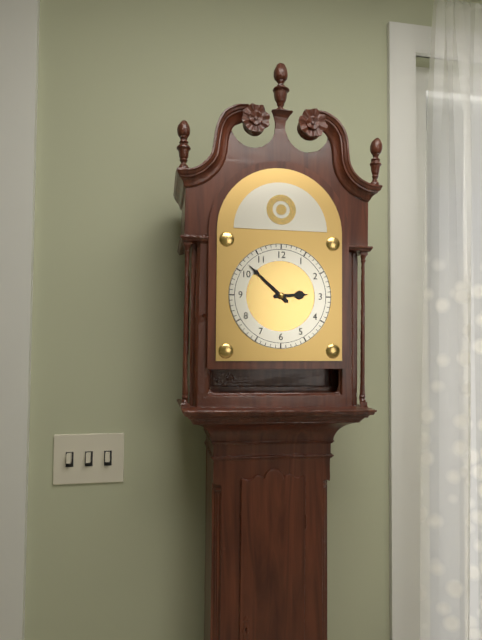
2:52
